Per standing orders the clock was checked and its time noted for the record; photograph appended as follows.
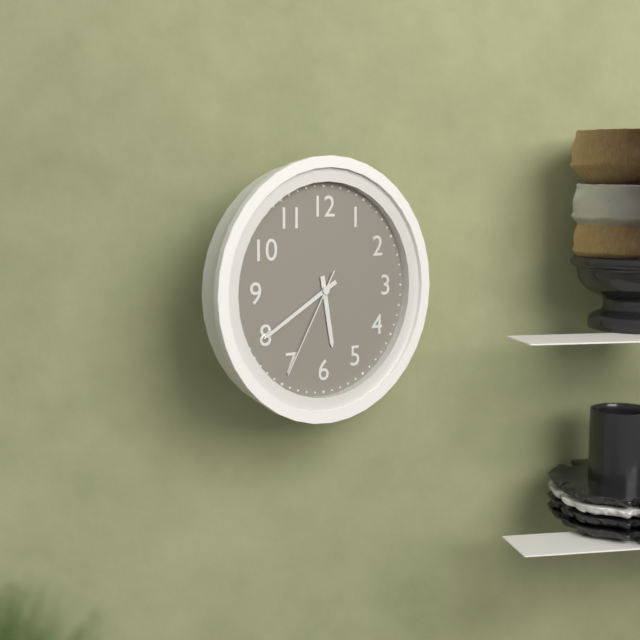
5:40:35
